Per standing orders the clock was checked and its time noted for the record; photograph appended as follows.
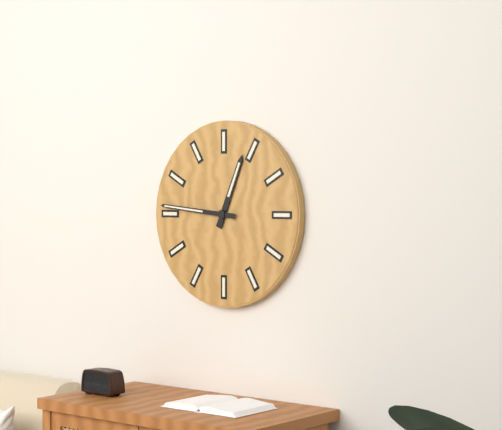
12:46
